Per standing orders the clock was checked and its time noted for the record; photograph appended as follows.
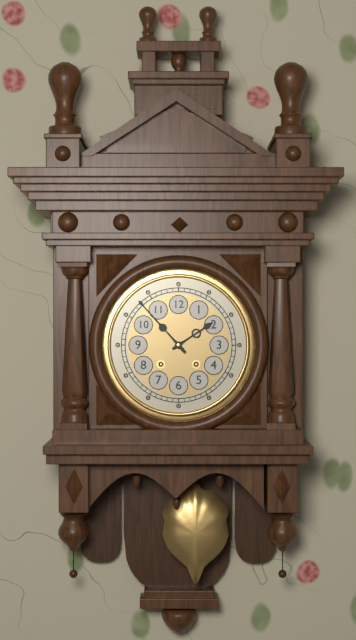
1:53
